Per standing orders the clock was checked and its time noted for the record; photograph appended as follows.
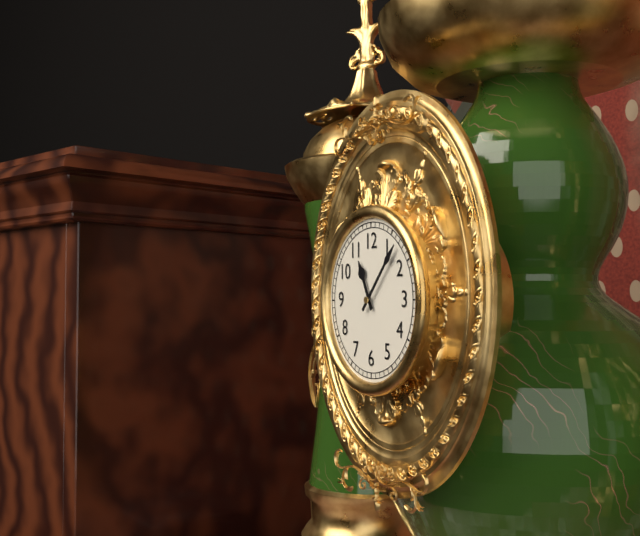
11:07
